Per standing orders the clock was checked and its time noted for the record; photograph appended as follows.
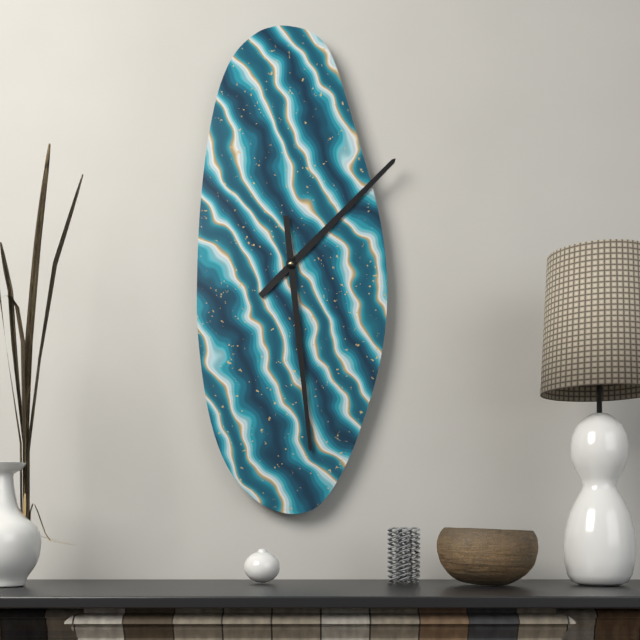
1:29
